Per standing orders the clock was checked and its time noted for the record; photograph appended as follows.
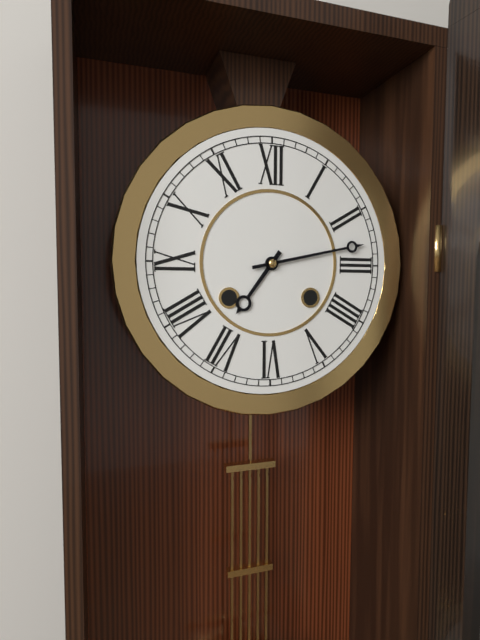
7:13
